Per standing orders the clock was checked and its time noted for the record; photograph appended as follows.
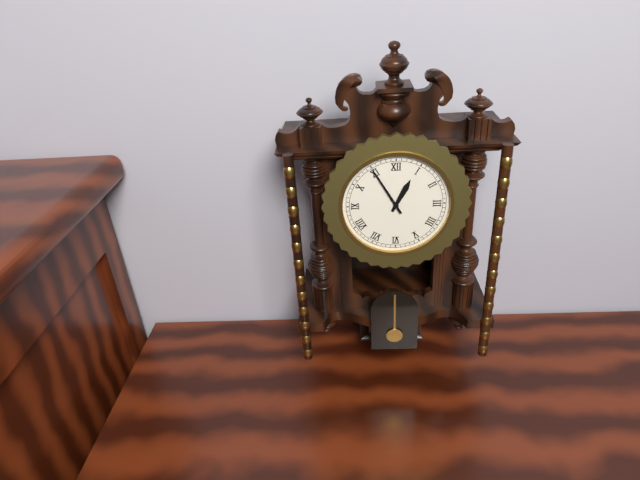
12:55
